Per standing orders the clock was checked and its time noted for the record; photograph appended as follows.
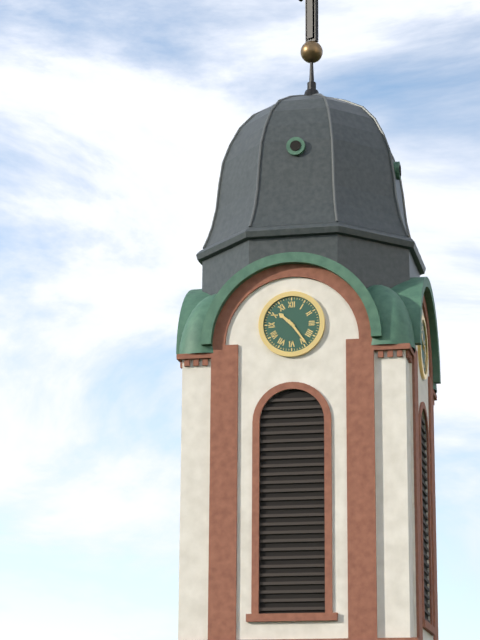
10:24
